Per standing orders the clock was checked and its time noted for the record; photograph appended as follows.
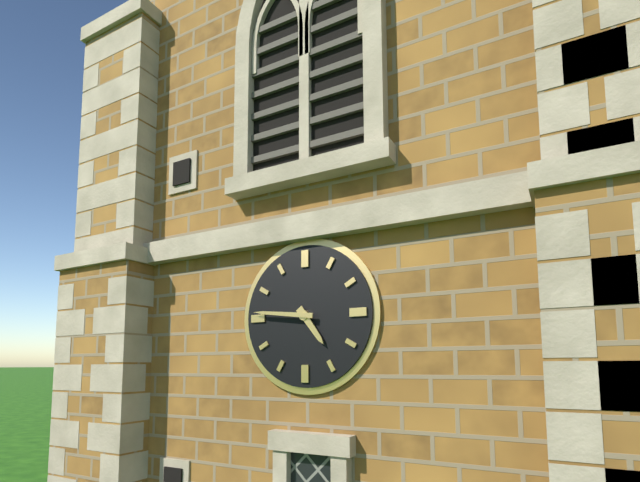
4:46
